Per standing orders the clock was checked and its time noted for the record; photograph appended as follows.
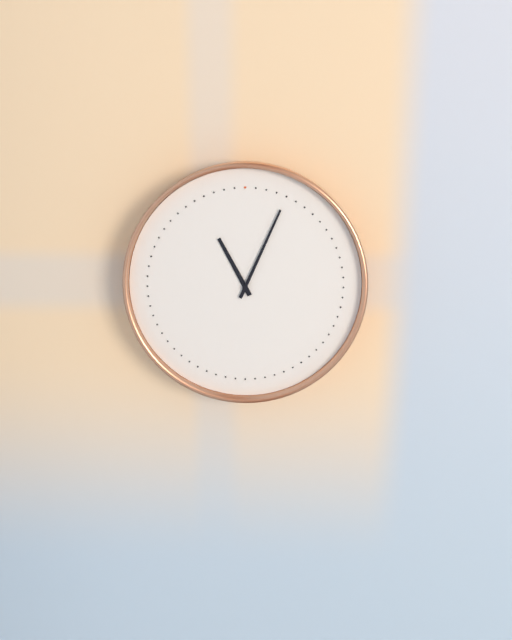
11:04
